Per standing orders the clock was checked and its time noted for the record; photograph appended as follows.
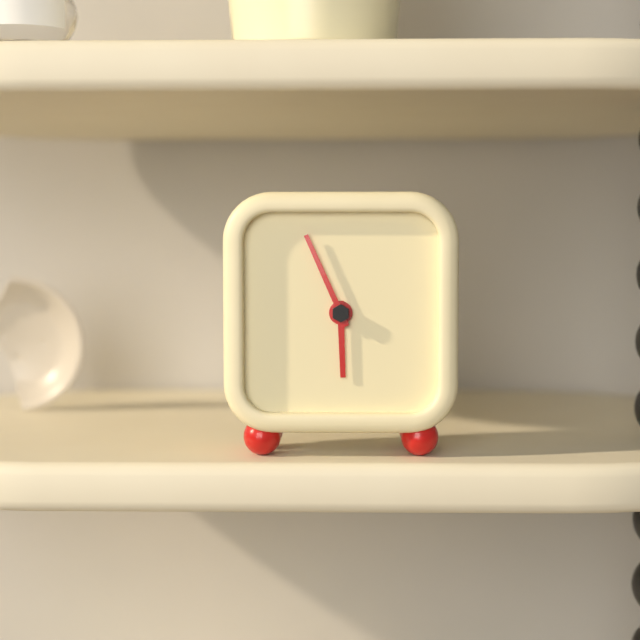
5:56
